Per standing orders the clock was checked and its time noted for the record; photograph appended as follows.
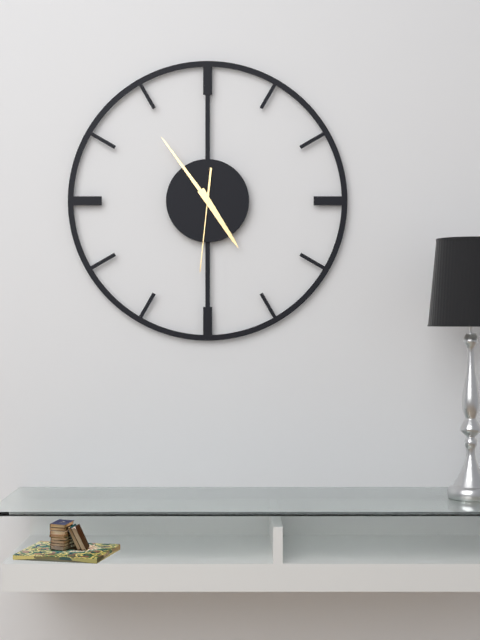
4:54:31
